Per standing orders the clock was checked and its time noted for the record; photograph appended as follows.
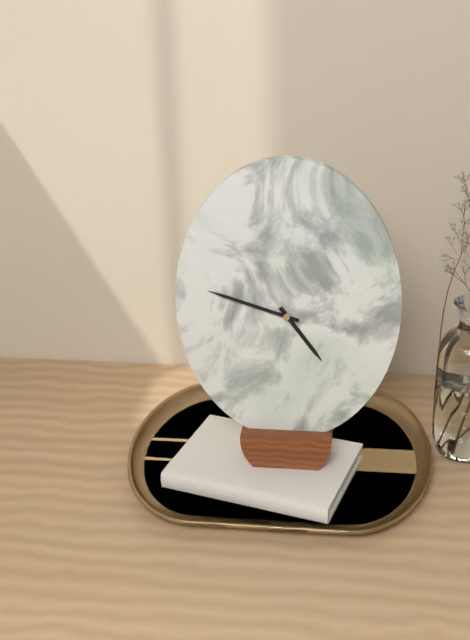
4:48
